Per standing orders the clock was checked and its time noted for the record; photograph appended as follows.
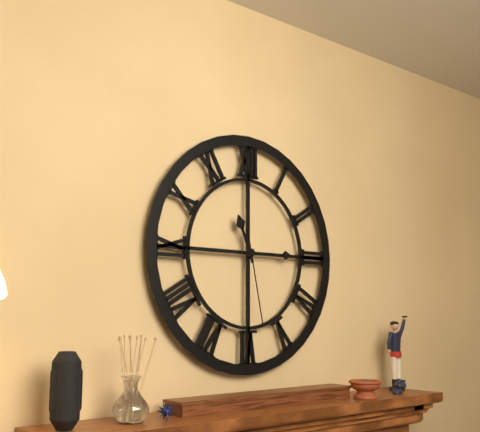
11:15:28
